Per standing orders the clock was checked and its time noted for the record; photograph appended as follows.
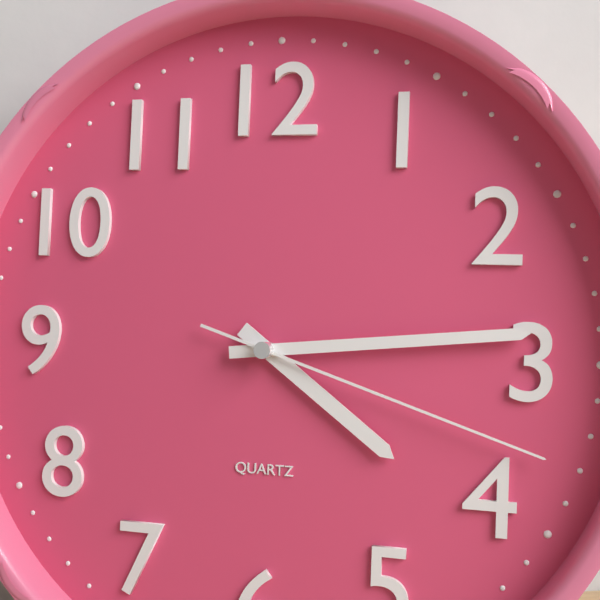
4:14:18
